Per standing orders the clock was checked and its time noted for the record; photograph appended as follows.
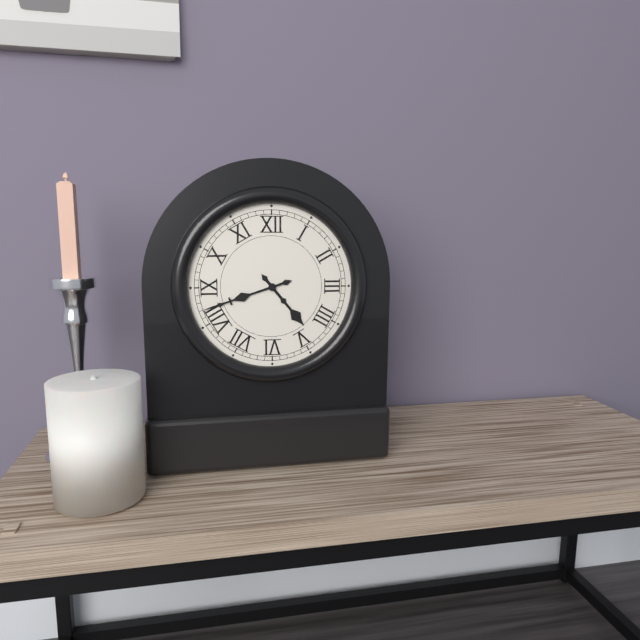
4:42
